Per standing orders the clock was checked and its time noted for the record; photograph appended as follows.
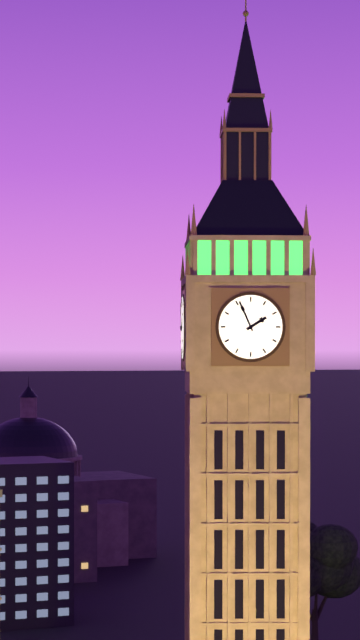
1:56
